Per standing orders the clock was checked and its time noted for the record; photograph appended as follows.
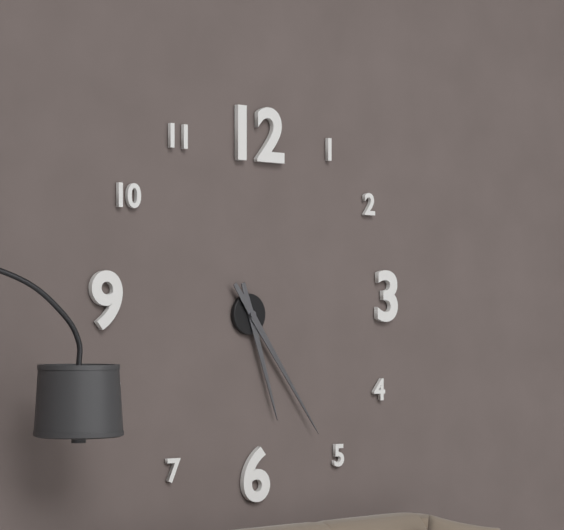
5:24
